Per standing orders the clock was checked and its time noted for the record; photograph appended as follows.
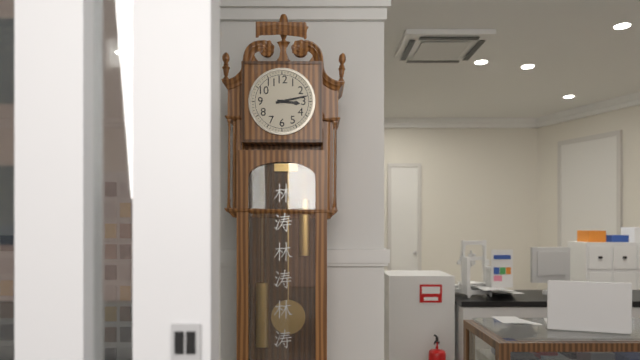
3:13
